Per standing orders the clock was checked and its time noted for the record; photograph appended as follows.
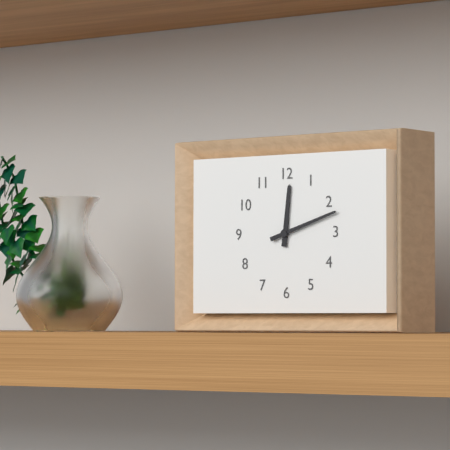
12:12
